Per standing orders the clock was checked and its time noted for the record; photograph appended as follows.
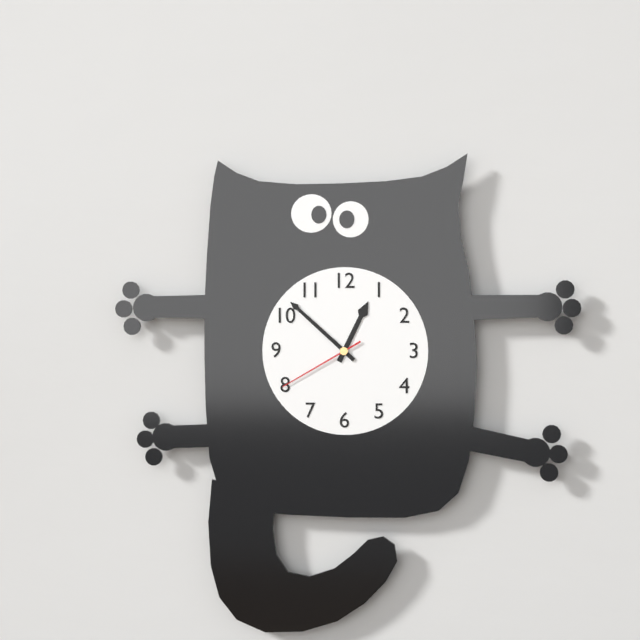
12:52:40
